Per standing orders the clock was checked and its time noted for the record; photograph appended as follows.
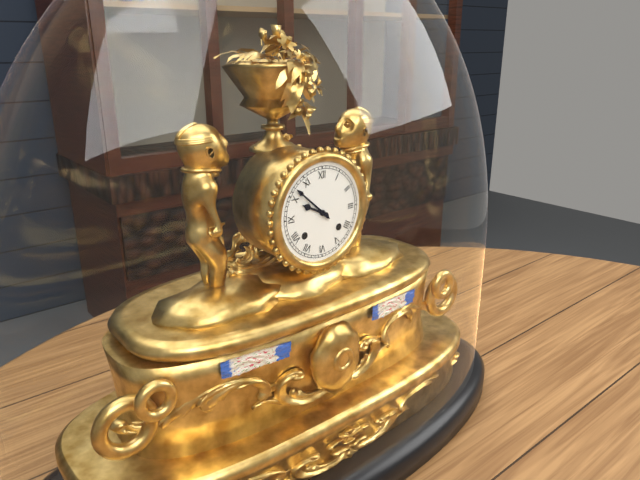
9:52
